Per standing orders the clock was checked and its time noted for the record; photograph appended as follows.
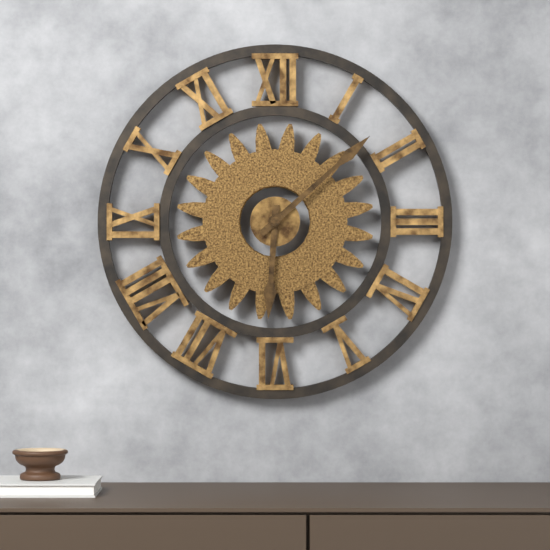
6:08
